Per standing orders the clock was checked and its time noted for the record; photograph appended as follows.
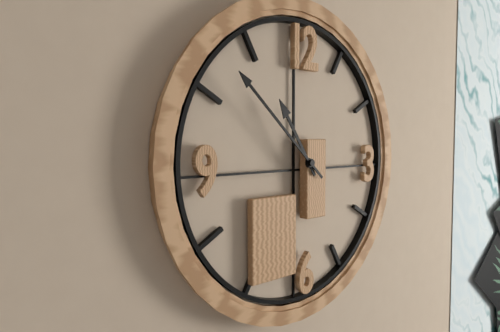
10:52
